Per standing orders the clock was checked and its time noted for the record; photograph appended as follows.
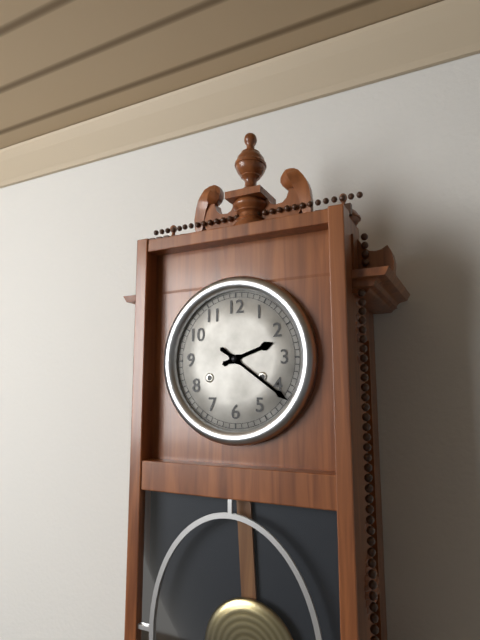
2:21
